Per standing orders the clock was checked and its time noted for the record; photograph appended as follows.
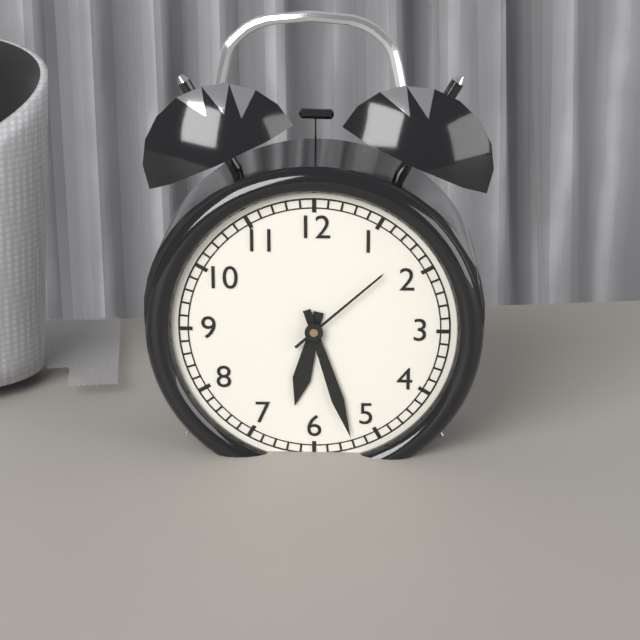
6:27:08
